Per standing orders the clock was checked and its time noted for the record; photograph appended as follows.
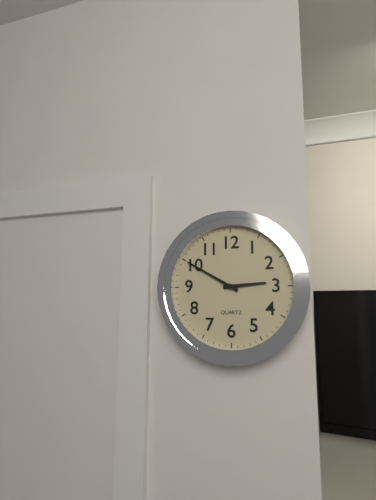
2:50
